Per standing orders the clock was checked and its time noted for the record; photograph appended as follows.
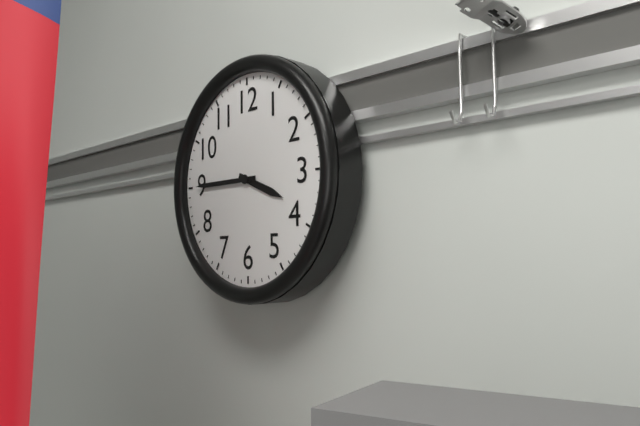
3:45
